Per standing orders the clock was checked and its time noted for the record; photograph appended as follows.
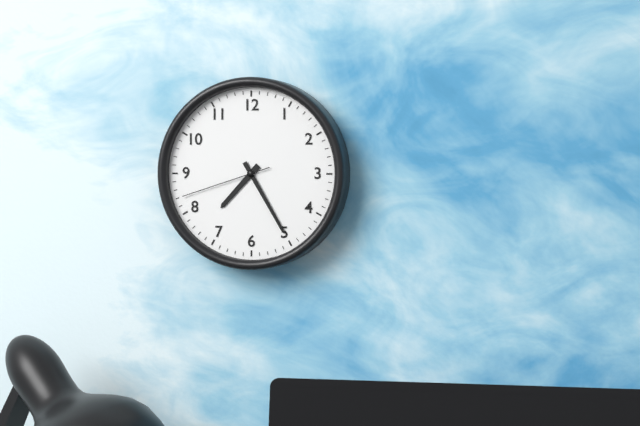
7:25:42
